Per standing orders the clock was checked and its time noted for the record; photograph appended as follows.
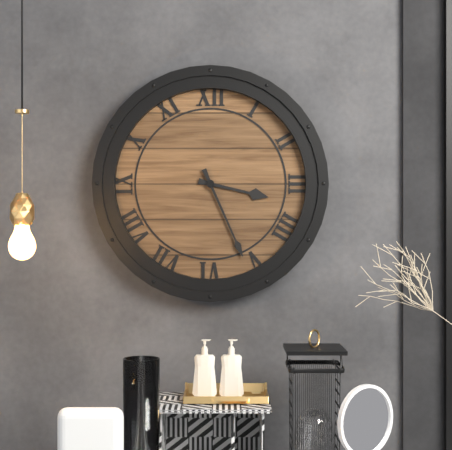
3:26
